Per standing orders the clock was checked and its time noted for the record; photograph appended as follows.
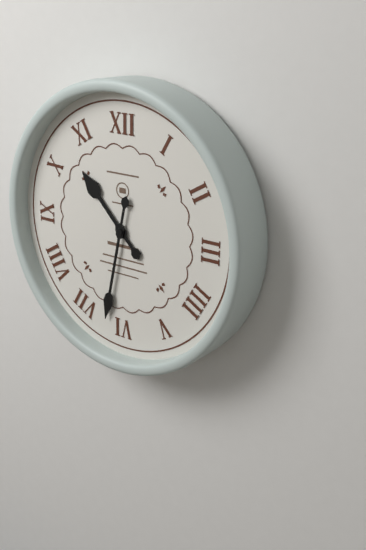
10:32
